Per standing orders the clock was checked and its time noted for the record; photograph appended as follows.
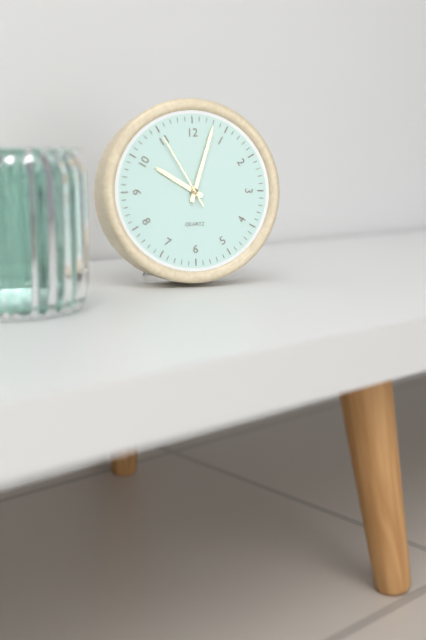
10:03:55
